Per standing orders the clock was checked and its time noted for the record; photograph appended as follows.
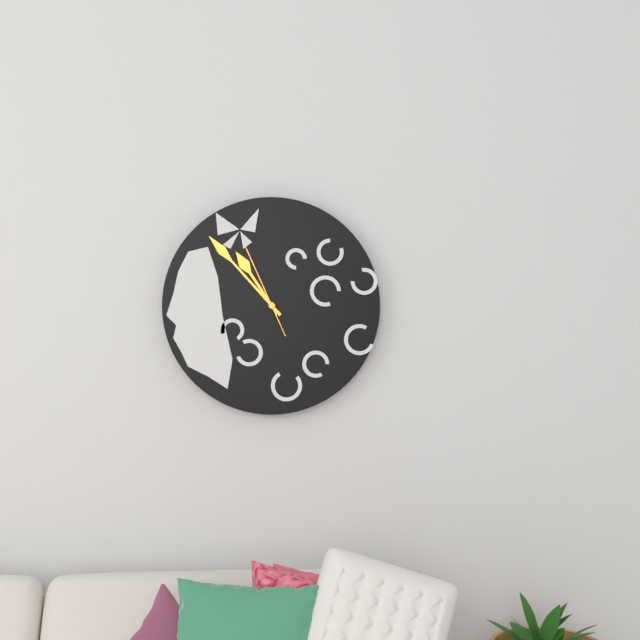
10:53:56
